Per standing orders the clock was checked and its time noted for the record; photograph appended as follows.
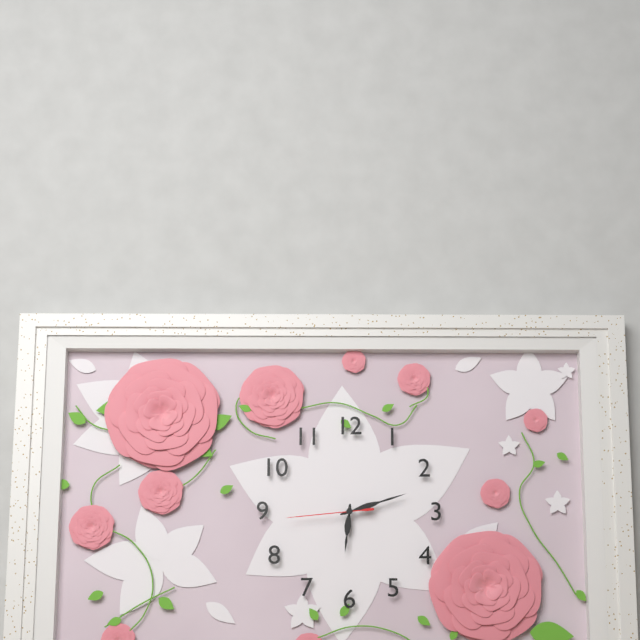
6:12:44
